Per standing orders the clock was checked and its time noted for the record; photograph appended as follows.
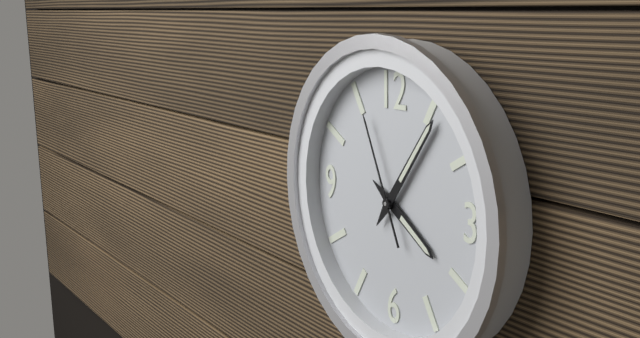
4:06:56
